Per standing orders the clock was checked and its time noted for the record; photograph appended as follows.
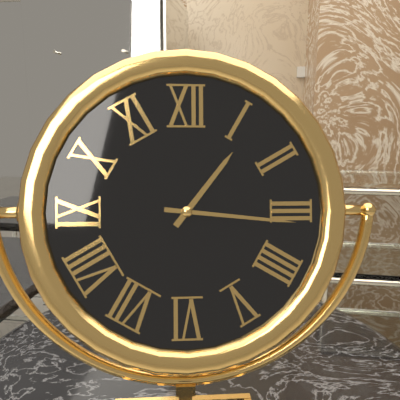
1:16
